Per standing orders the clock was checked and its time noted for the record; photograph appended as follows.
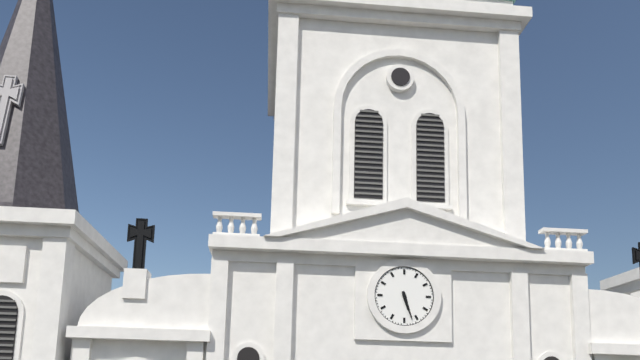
5:27
